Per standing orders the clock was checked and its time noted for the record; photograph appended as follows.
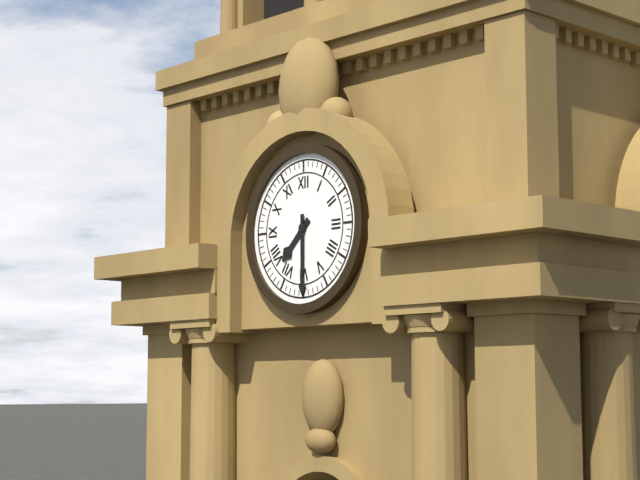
7:30
